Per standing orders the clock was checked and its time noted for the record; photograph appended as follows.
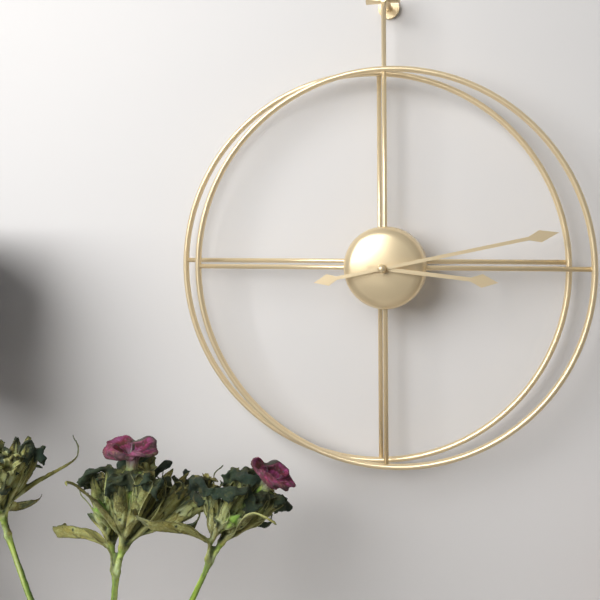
3:13
